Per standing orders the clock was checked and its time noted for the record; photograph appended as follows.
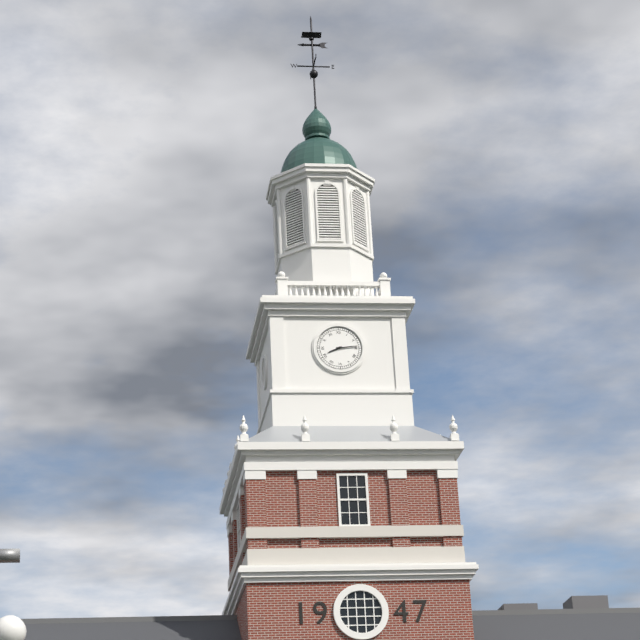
8:14
